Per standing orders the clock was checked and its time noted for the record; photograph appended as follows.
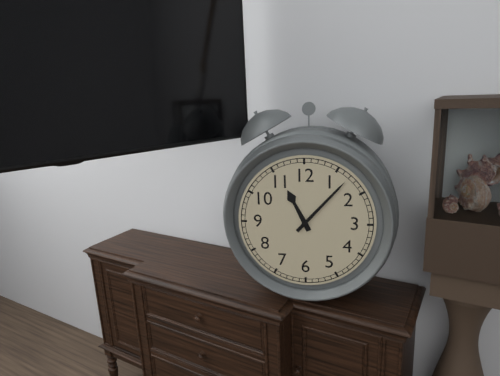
11:07
